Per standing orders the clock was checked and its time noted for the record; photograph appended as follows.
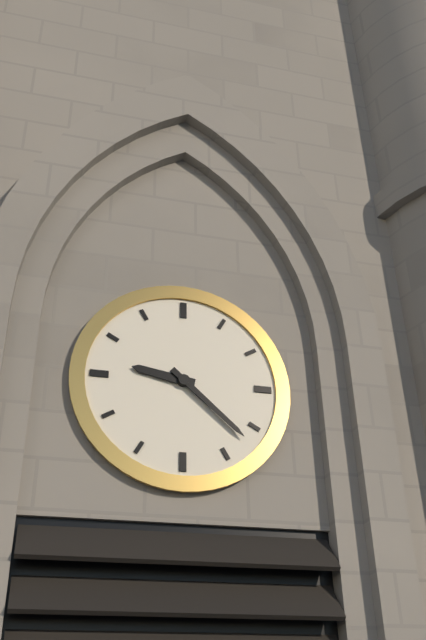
9:22
